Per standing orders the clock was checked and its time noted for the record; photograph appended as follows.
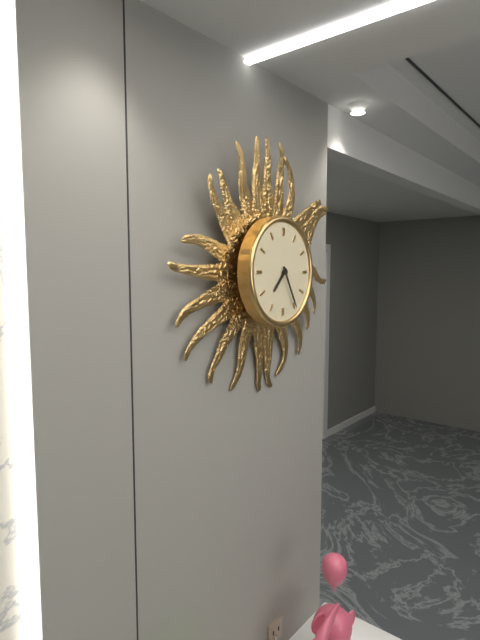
7:25
